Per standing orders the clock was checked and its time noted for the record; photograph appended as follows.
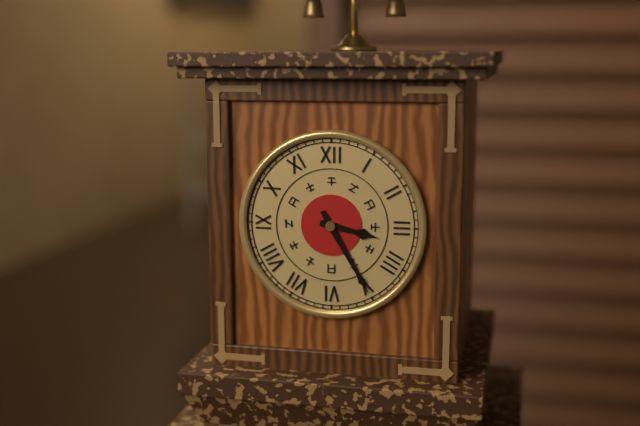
3:25
